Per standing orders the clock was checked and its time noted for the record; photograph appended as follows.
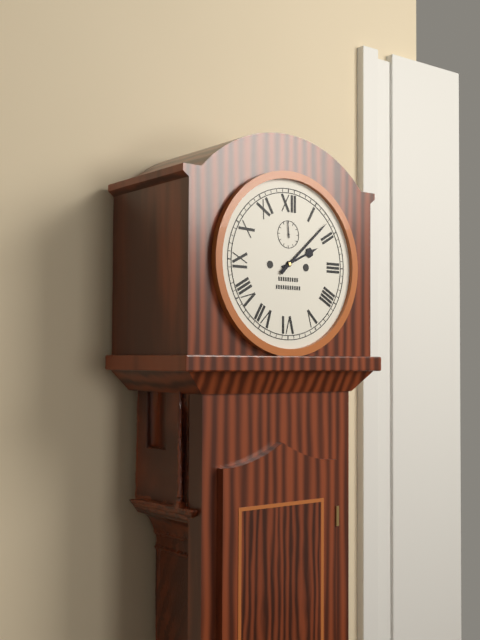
2:08
